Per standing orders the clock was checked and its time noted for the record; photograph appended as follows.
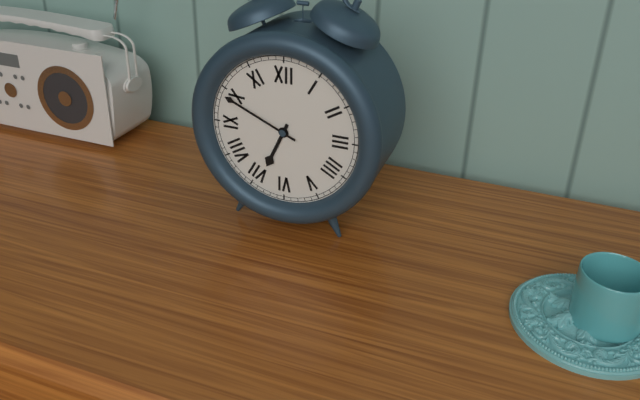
6:49
